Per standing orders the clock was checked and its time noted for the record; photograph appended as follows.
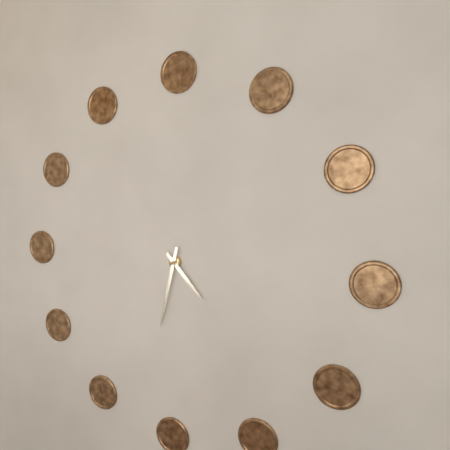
4:32
